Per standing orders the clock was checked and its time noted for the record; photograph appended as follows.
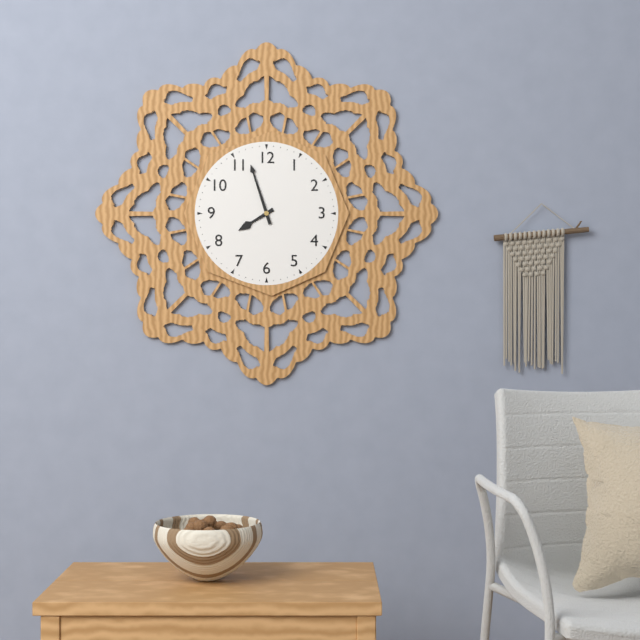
7:57
